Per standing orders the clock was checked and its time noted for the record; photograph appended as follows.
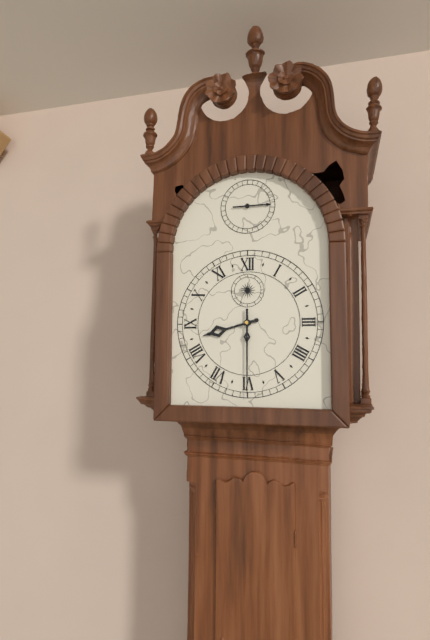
8:30
